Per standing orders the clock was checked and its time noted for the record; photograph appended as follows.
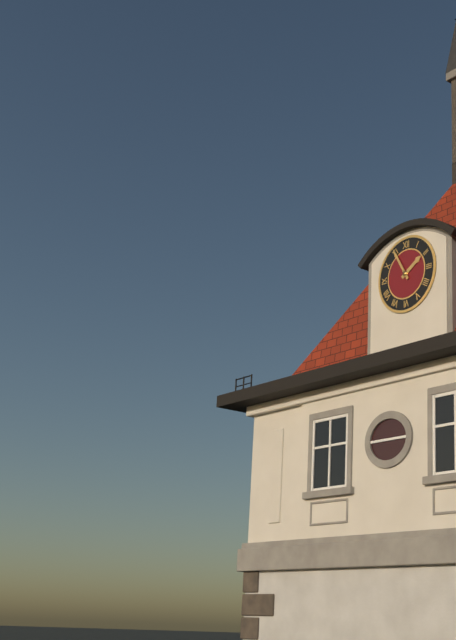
1:55
